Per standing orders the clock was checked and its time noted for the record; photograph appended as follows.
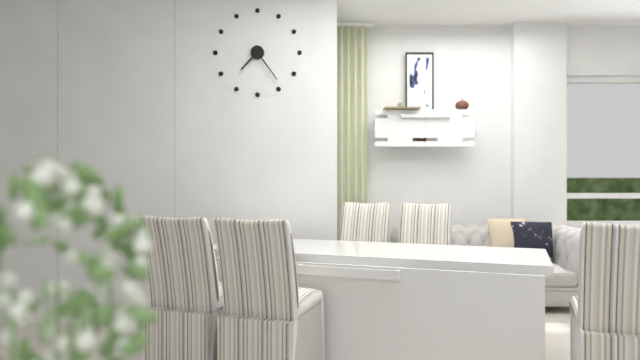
7:24
